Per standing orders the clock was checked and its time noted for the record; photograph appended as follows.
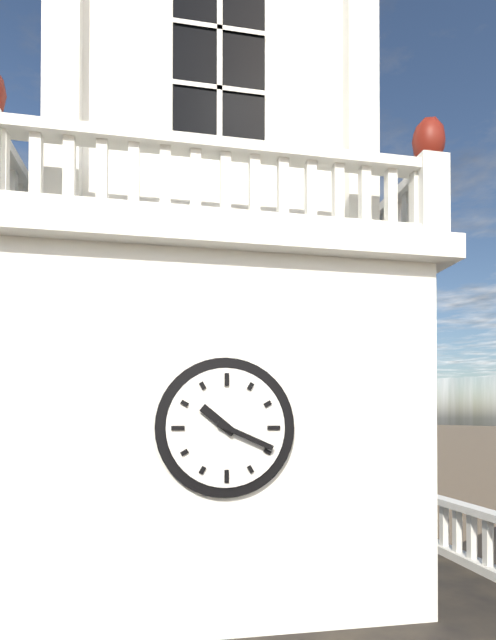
10:19
